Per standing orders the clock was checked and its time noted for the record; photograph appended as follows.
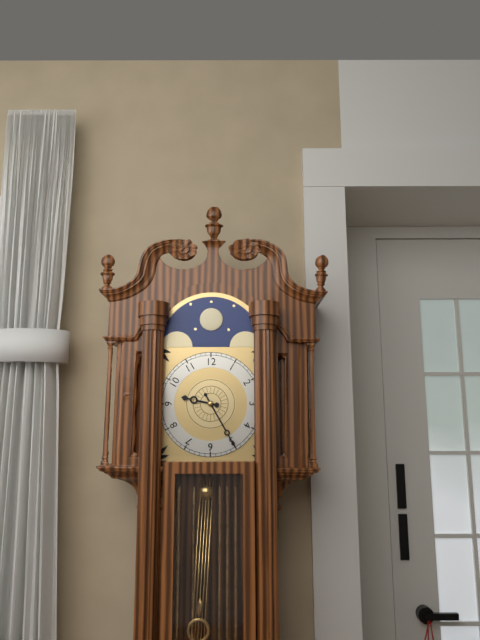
9:25
